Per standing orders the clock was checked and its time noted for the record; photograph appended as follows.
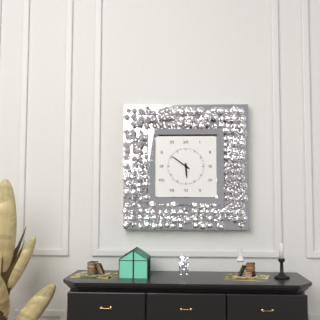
5:51
